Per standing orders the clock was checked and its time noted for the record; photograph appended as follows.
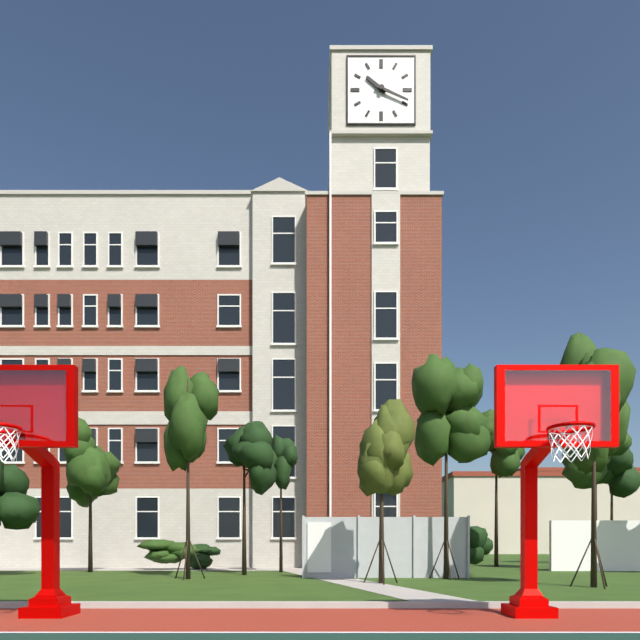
10:19
